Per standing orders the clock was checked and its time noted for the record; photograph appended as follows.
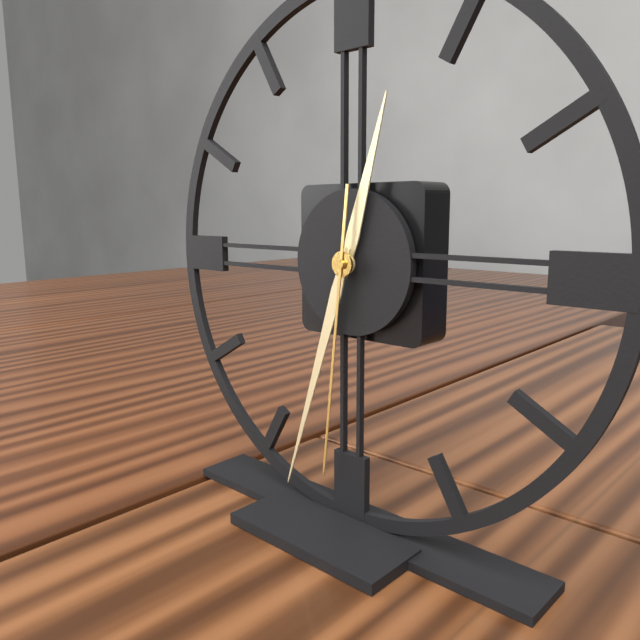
12:33:31
